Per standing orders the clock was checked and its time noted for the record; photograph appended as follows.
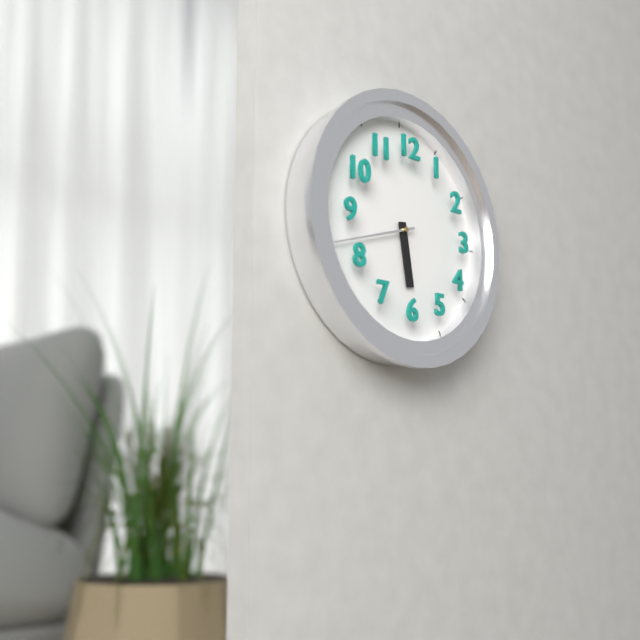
5:42
